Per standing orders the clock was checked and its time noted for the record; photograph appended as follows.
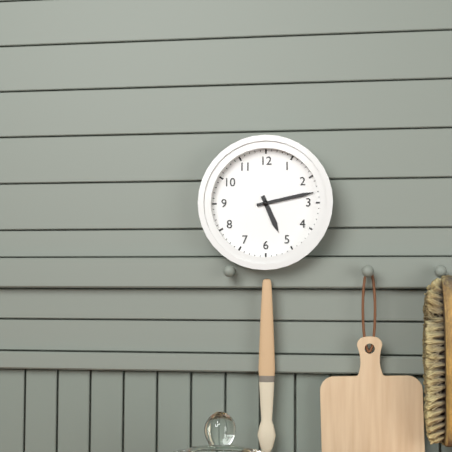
5:13
